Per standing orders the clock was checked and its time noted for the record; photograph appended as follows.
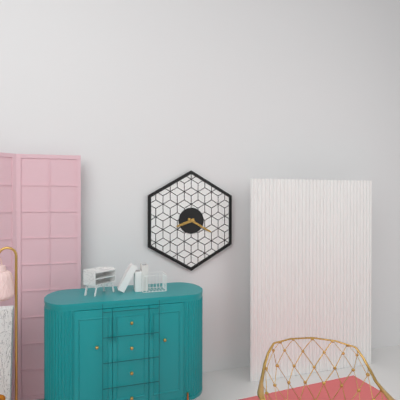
8:20
